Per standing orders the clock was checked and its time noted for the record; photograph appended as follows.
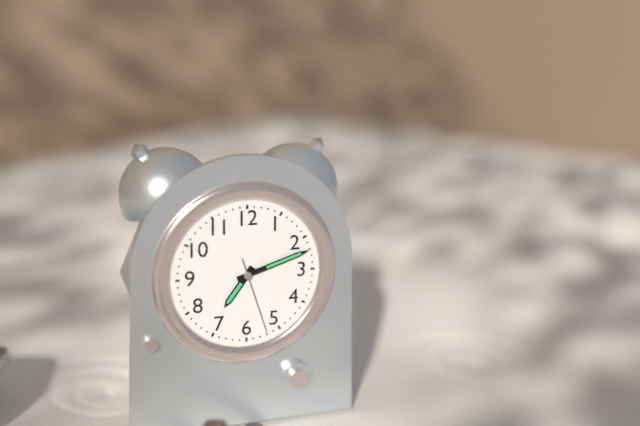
7:12:27
